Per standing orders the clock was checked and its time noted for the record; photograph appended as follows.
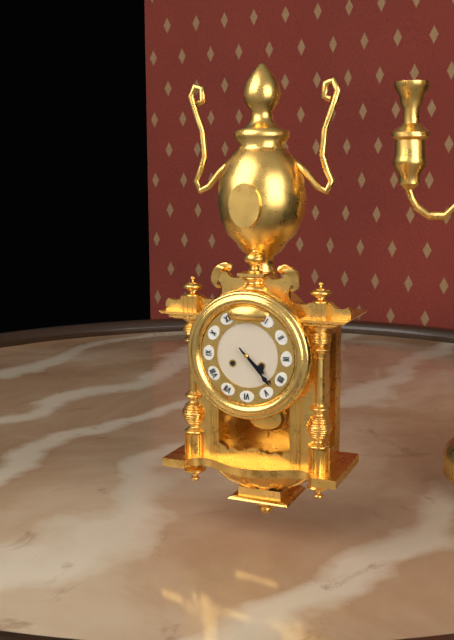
4:23
